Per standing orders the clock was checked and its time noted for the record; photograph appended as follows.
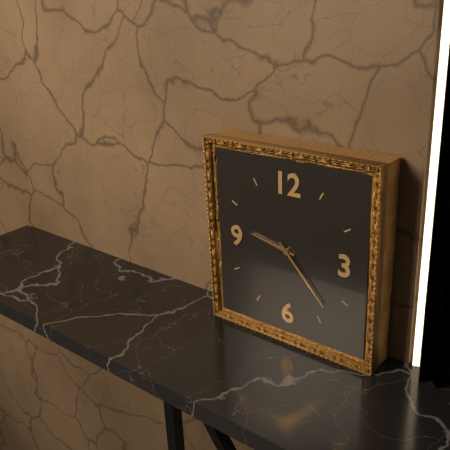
9:23
